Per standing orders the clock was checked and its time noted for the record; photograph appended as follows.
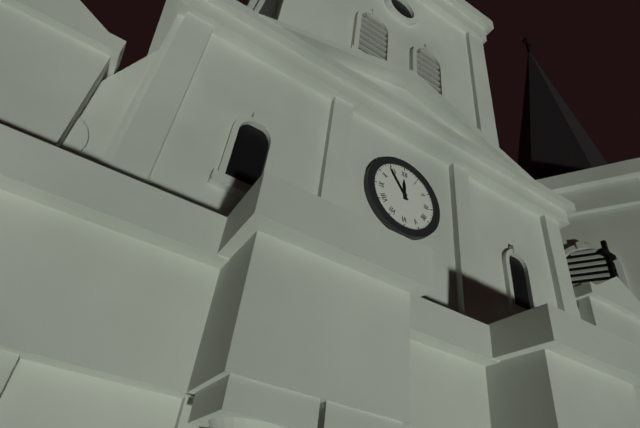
11:54
